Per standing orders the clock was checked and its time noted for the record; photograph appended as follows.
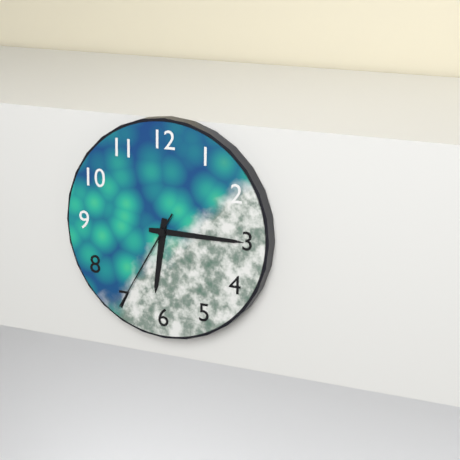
6:15:35
